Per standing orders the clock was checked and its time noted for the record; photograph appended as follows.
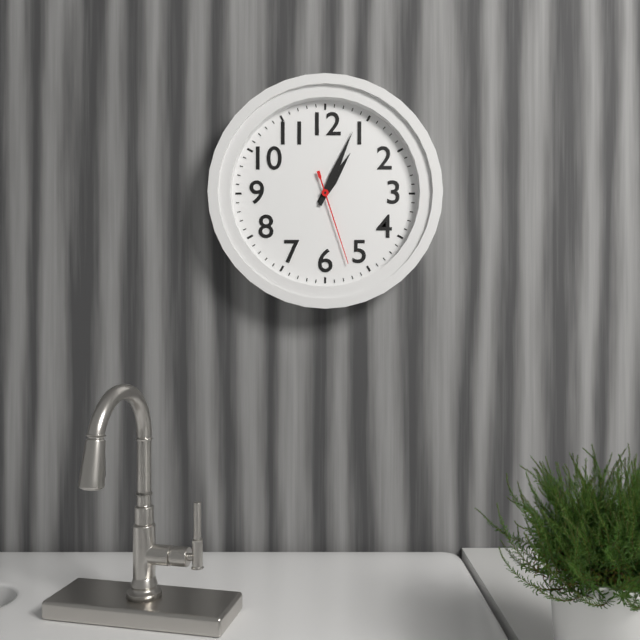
1:04:27
